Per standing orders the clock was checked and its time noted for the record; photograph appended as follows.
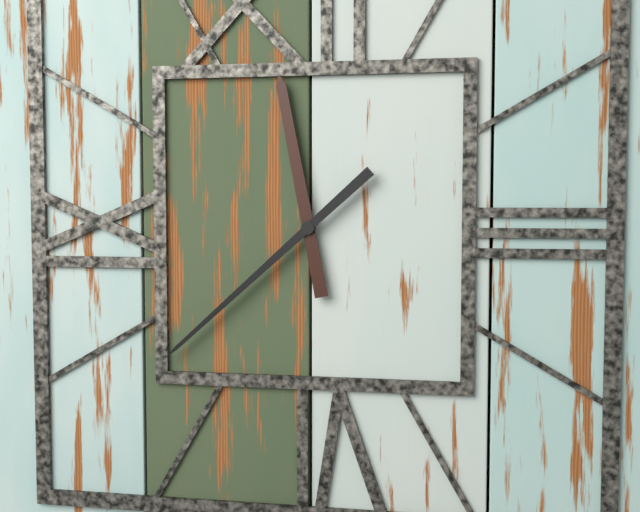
11:38
